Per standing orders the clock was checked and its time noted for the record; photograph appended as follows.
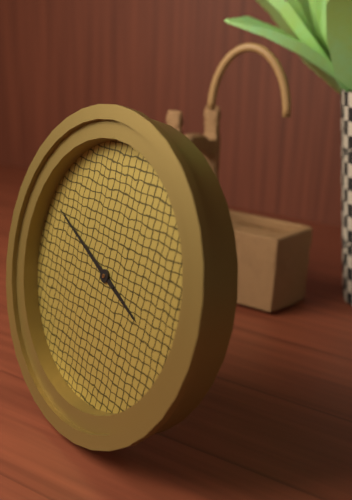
3:49
